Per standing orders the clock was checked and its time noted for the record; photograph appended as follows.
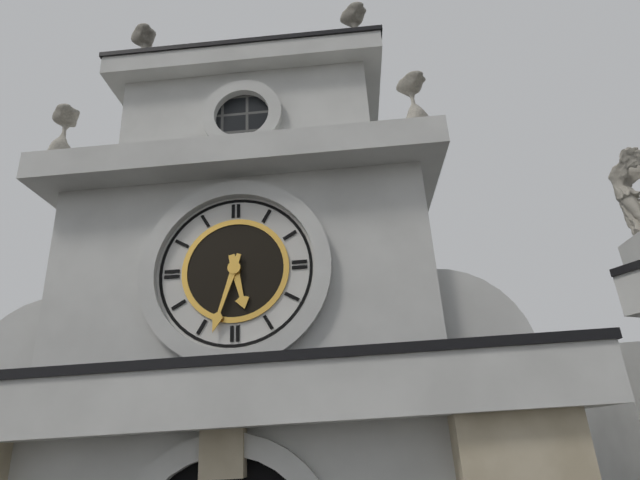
5:33
